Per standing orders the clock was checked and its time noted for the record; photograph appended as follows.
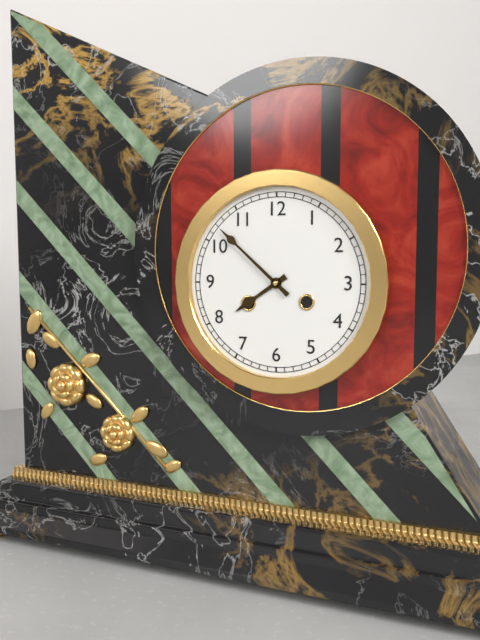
7:52
